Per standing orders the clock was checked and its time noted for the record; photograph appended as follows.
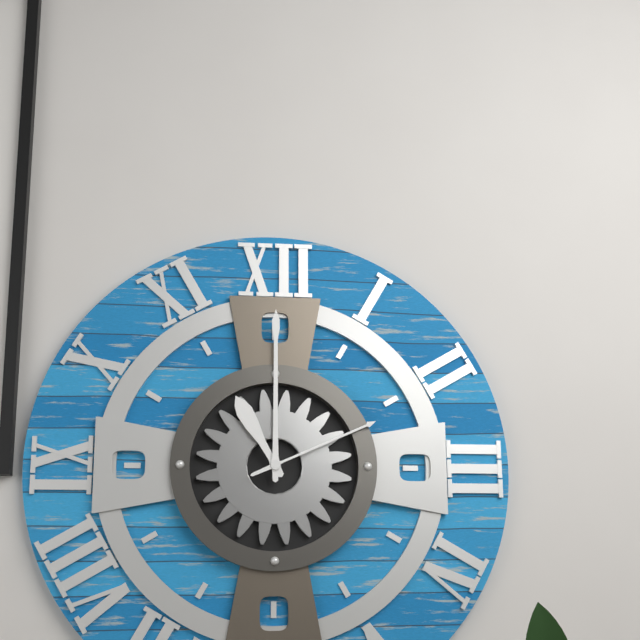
11:00:11
